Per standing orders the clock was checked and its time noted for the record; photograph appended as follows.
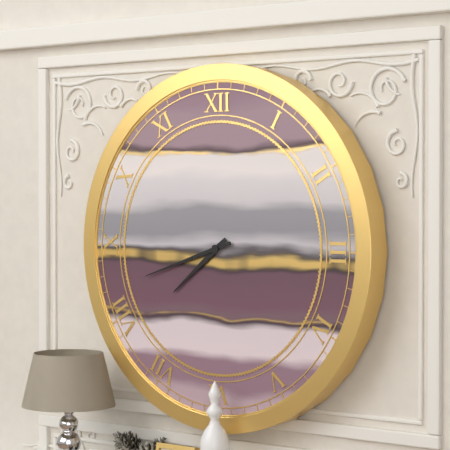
7:42
